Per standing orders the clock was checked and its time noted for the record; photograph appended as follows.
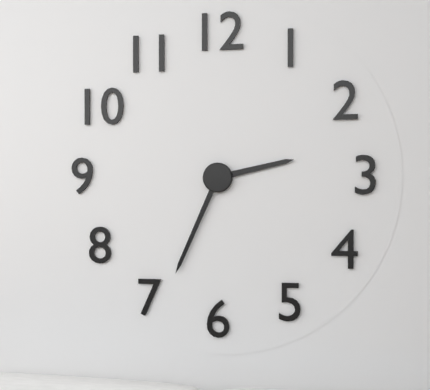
2:34
